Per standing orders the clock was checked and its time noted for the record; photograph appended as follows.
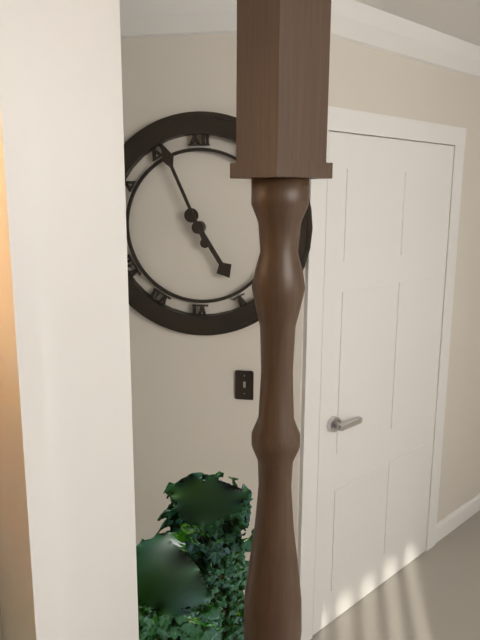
4:56
